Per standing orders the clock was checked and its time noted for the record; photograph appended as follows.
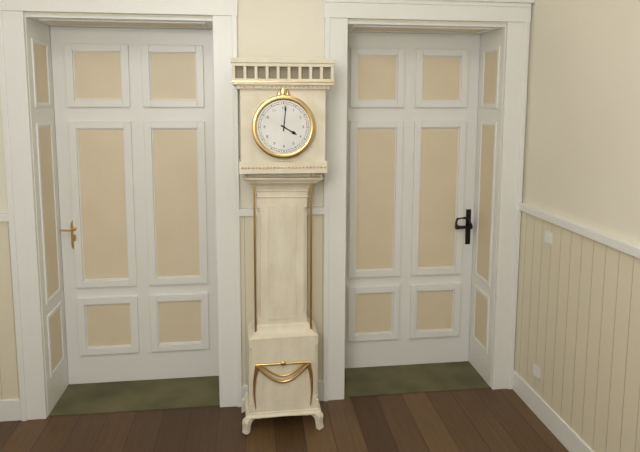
4:01
